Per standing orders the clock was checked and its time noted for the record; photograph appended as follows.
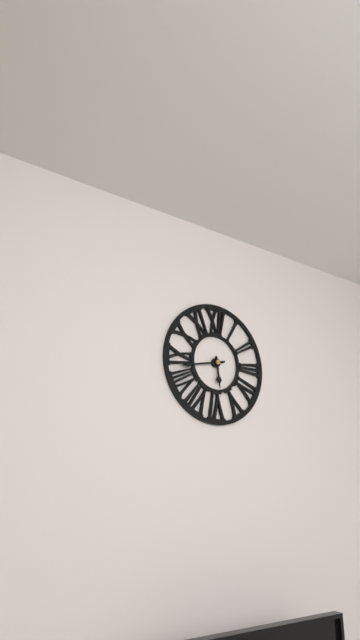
5:43
